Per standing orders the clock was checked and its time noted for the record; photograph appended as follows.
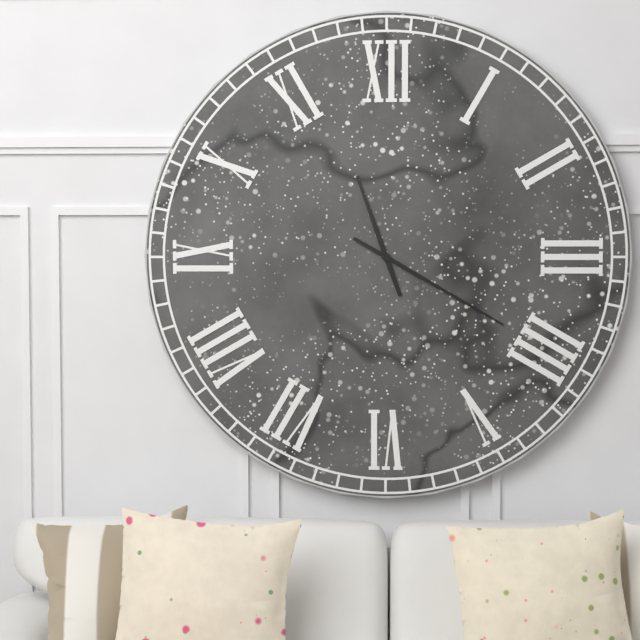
11:20
